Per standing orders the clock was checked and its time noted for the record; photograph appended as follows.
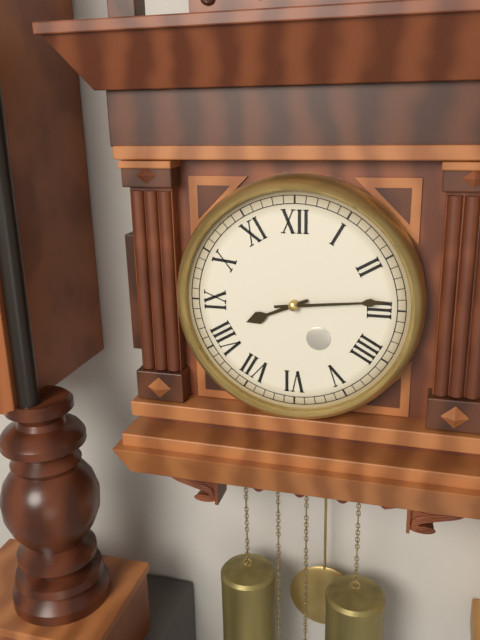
8:14
